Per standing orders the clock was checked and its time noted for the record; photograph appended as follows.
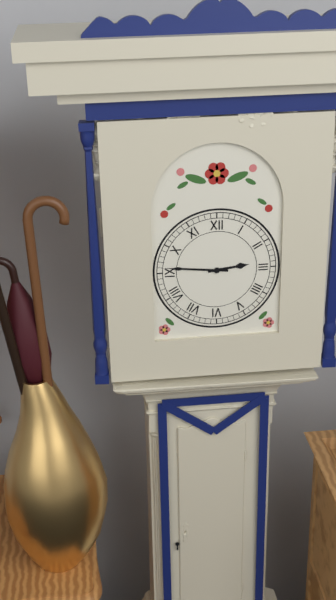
2:46
